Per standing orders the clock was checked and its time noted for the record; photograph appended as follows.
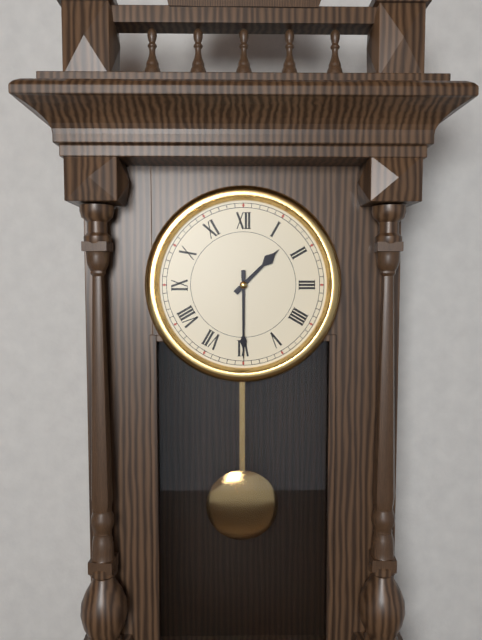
1:30
